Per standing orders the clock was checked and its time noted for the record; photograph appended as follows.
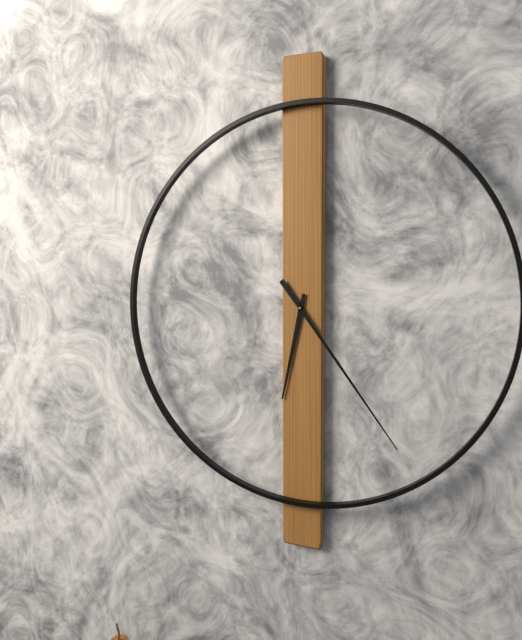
6:24
